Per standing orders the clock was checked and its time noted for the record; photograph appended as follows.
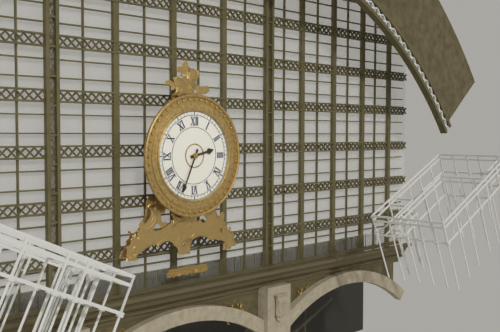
2:34
